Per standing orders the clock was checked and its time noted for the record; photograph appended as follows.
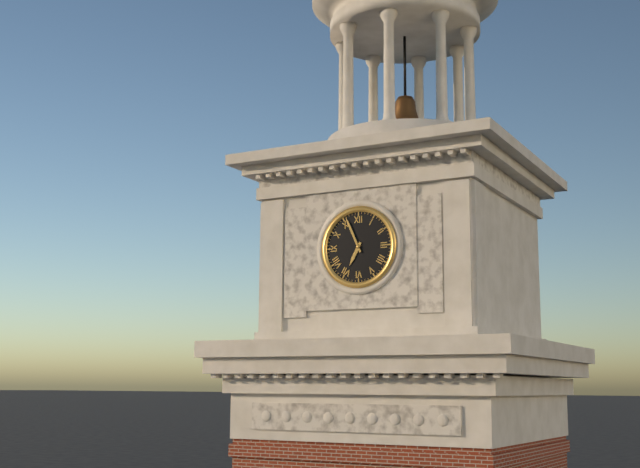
6:56
